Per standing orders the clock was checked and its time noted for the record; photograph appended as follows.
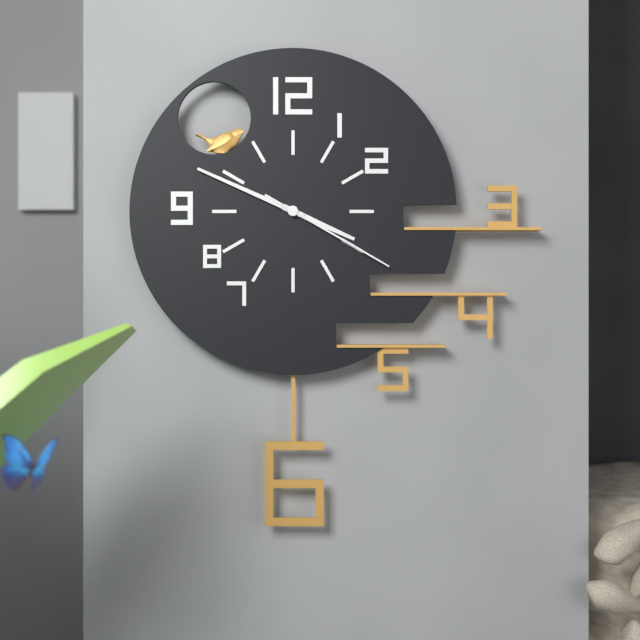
3:49:20
